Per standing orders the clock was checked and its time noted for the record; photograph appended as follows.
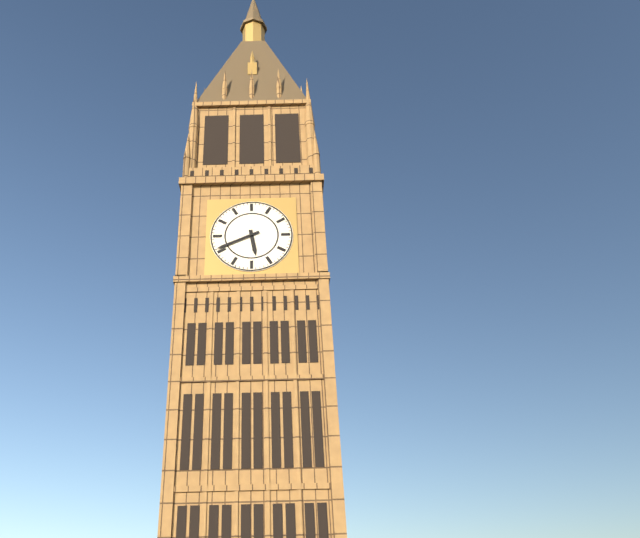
5:41
